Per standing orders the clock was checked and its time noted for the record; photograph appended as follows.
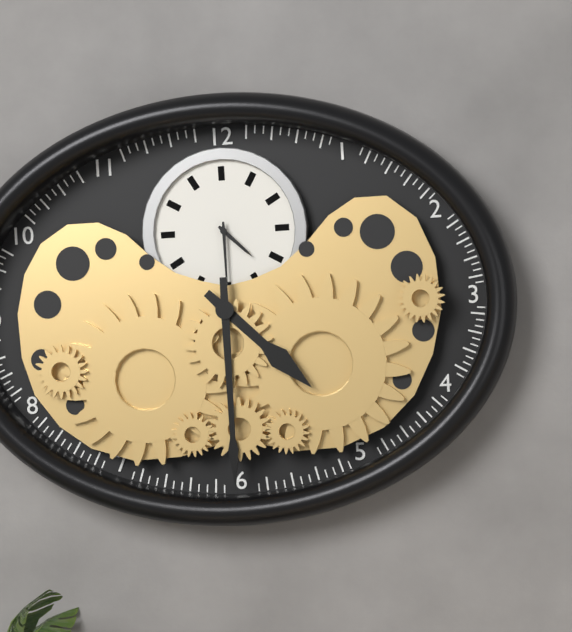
4:30
